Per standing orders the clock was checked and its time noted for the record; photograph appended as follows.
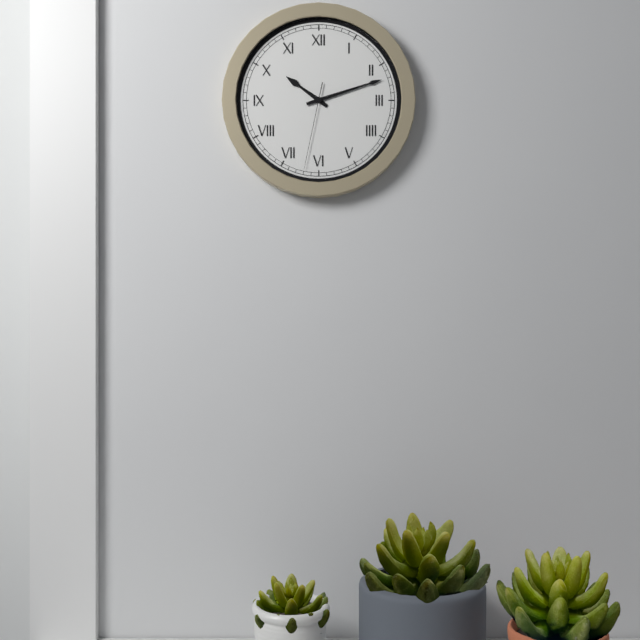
10:12:32
